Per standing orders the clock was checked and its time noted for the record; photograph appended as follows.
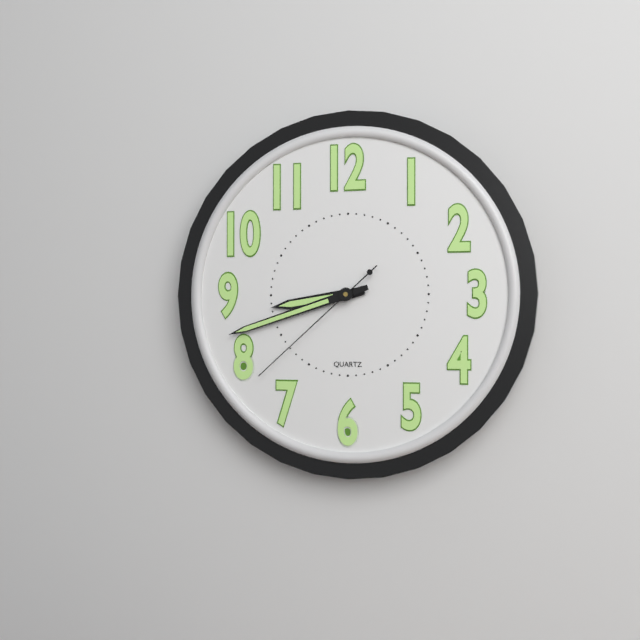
8:42:38
